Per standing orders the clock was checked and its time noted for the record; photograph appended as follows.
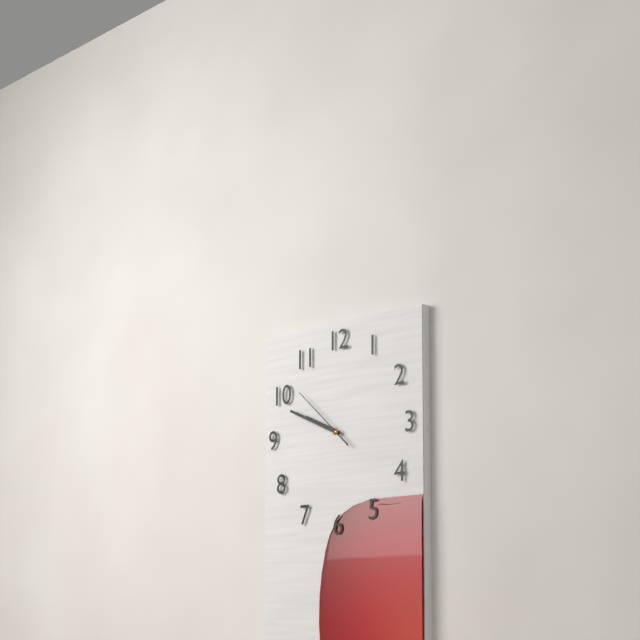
9:49:52
